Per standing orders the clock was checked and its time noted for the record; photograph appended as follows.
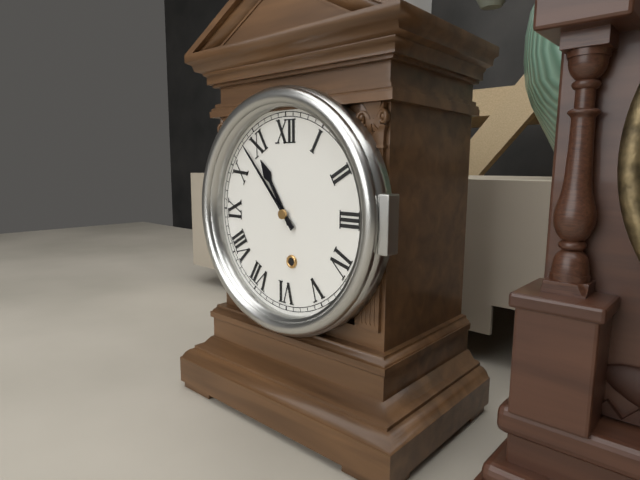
10:53
